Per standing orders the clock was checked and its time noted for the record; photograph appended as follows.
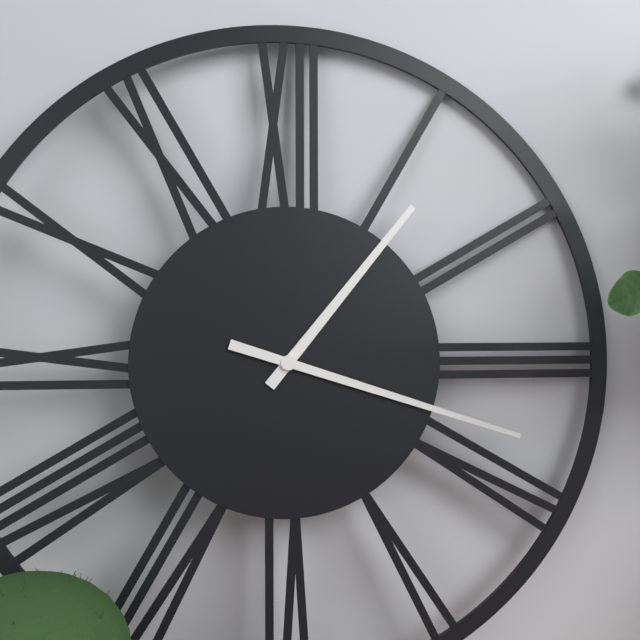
1:18
